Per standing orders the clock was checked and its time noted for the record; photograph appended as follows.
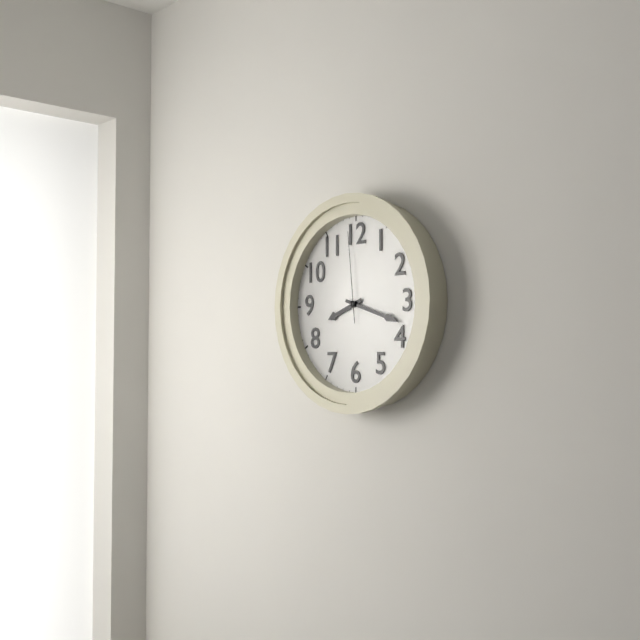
8:18:59
